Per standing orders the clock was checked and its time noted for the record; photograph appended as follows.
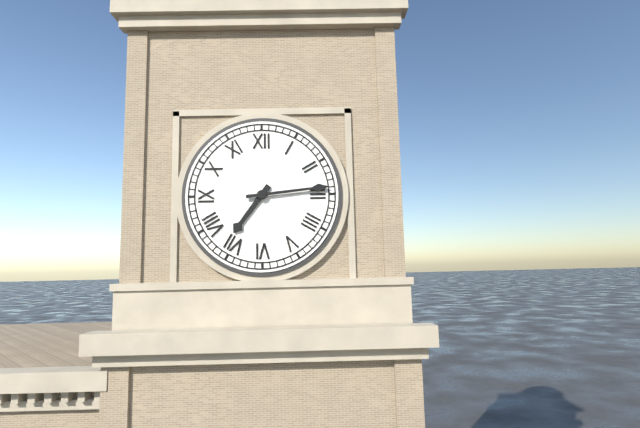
7:14
